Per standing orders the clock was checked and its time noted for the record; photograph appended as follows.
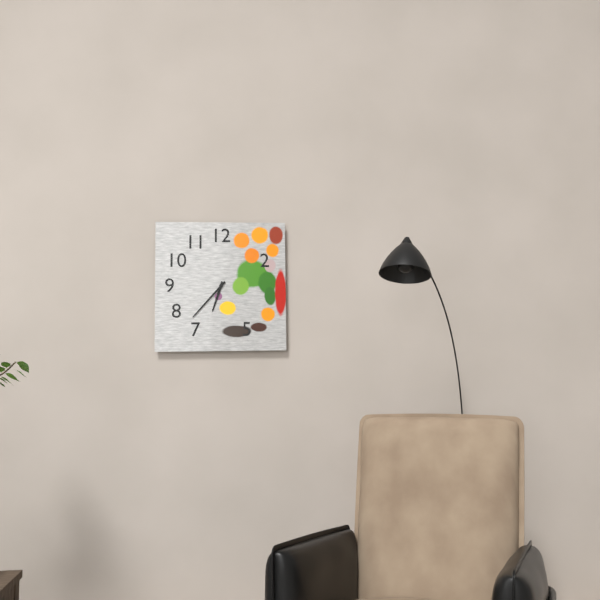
6:37
